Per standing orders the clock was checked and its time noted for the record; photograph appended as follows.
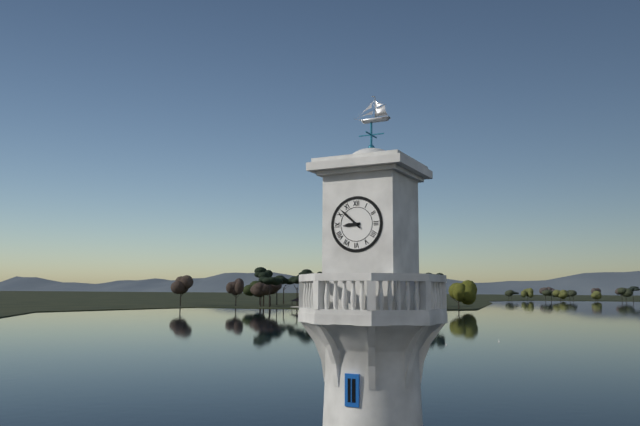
8:52
